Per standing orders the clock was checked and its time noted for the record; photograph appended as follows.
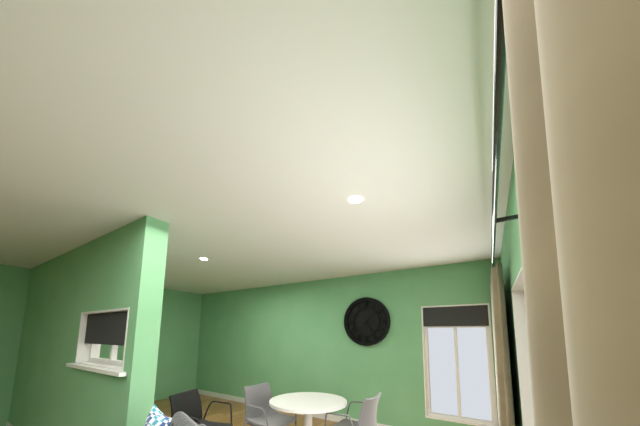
5:08
